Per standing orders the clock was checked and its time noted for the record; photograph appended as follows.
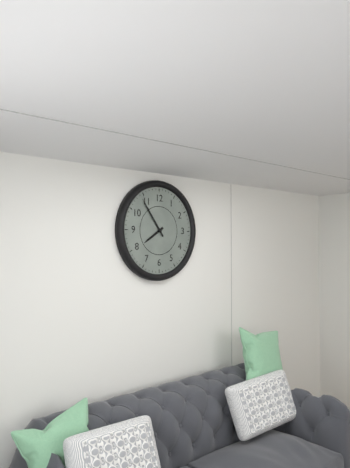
7:54
